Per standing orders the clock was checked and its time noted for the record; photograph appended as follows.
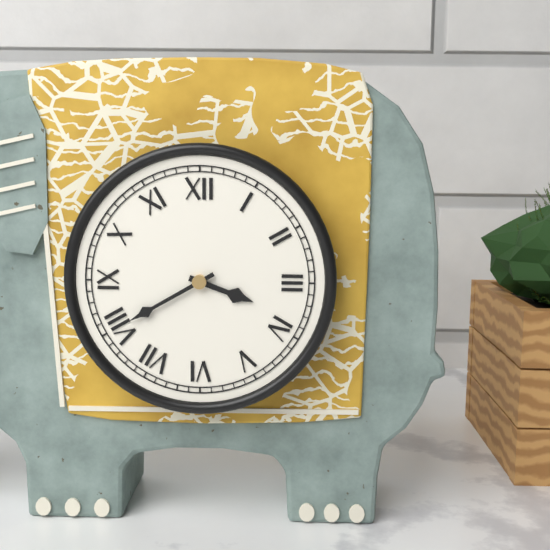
3:40
